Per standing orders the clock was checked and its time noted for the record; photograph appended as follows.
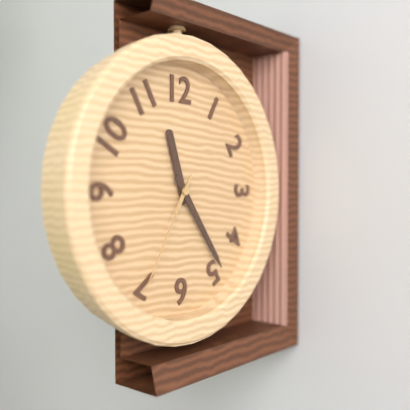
11:24:35
